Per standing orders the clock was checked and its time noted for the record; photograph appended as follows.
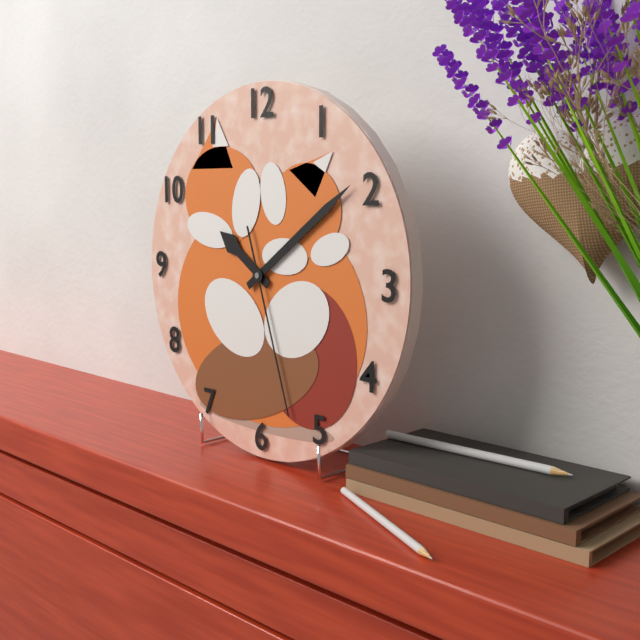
10:09:27
